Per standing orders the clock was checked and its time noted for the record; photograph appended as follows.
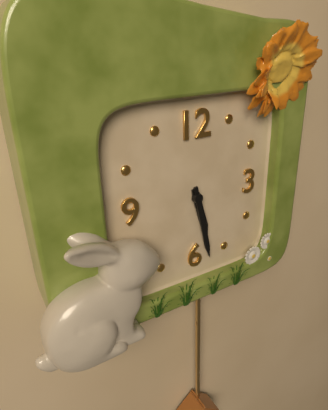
5:28
